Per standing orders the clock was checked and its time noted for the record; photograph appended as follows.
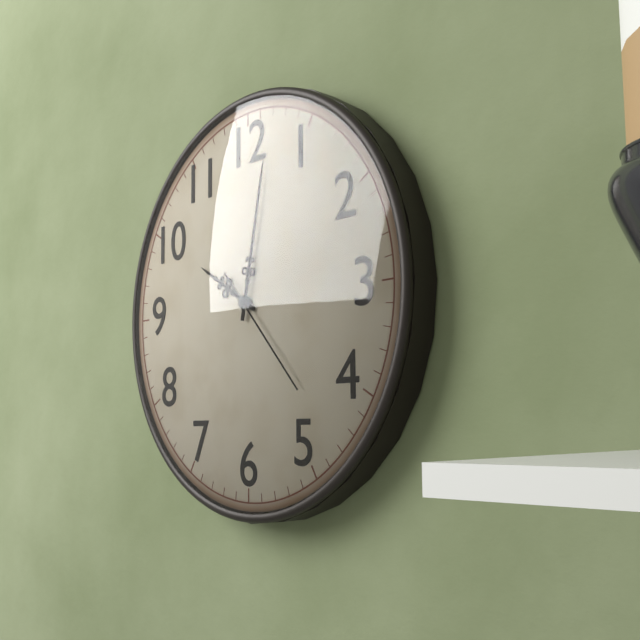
10:02:23
